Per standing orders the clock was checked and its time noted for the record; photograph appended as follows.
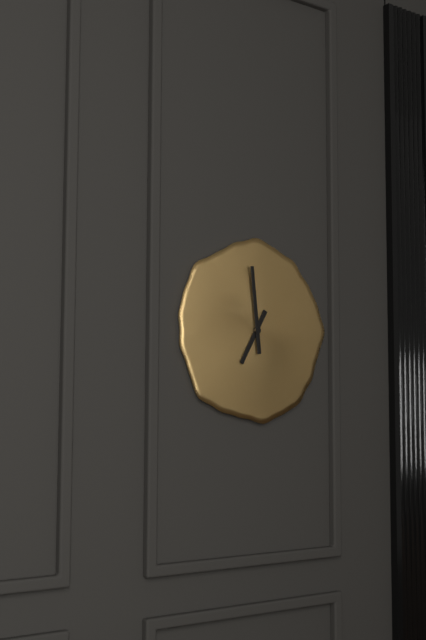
6:59
